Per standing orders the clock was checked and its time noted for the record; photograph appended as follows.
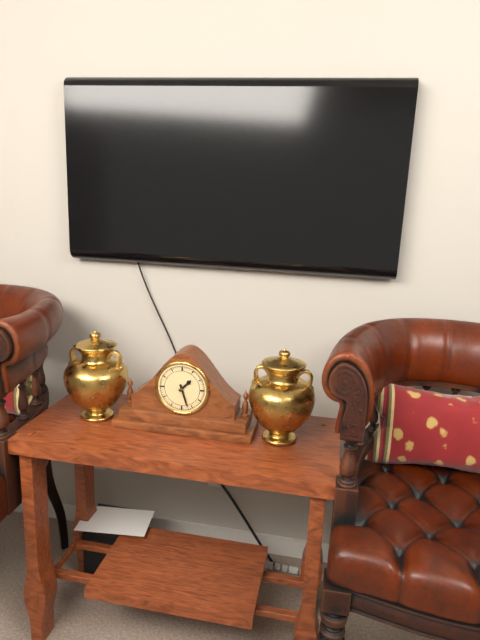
1:27
